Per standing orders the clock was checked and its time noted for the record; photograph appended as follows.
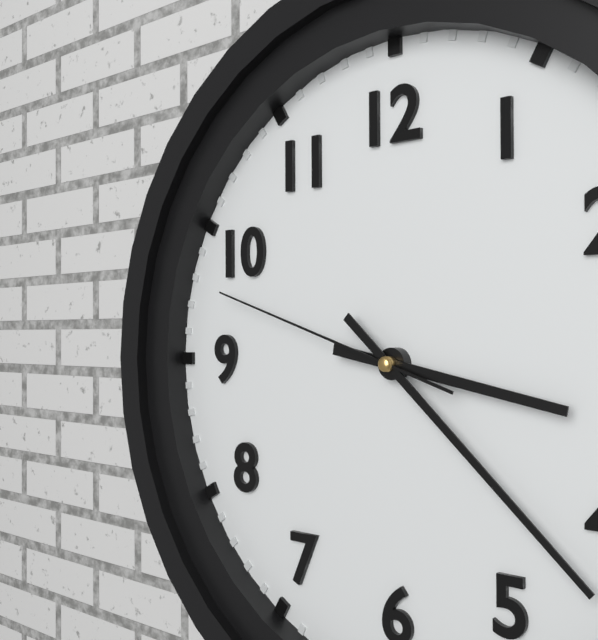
3:22:48
